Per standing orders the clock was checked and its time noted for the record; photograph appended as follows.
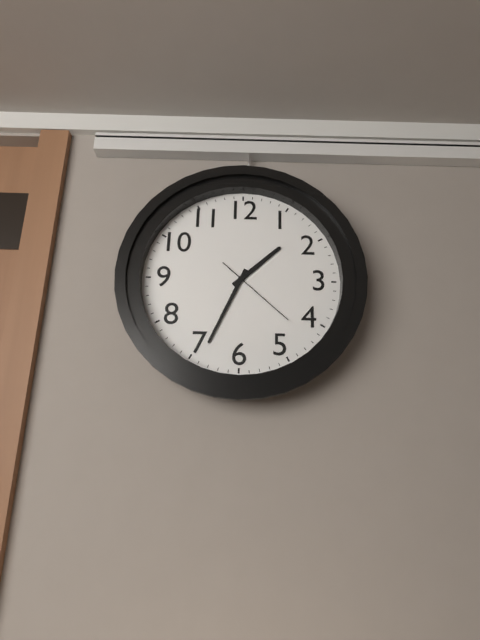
1:34:22
